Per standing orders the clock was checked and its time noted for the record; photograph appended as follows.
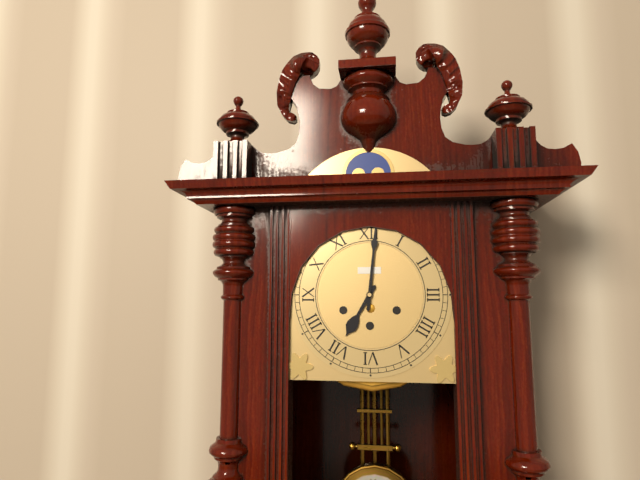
7:01
